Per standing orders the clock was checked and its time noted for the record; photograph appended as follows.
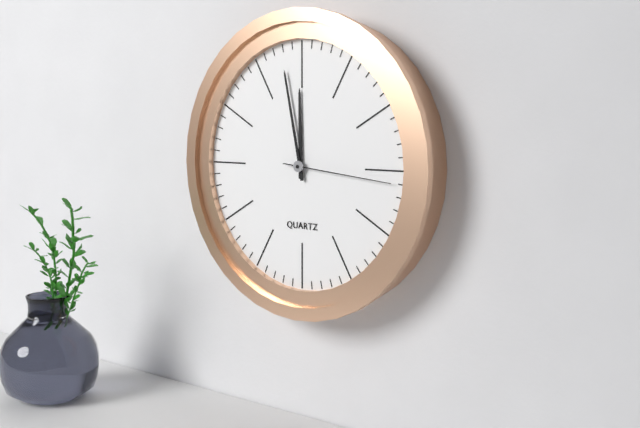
11:58:16
